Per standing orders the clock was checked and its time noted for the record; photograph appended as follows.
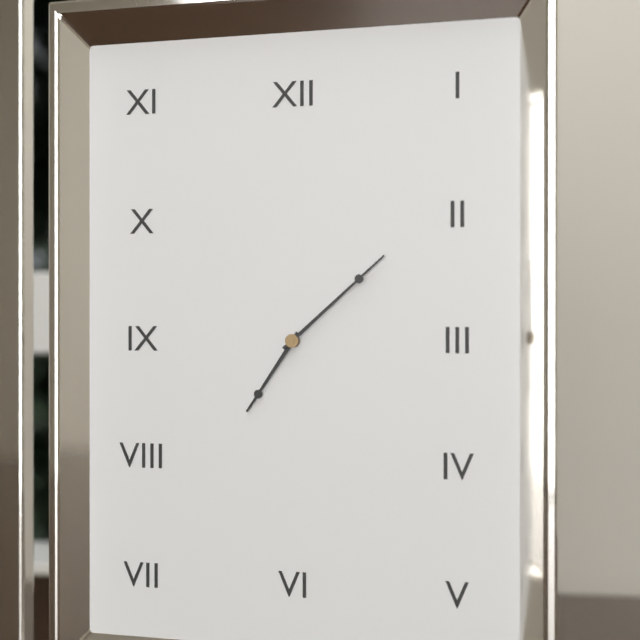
7:08
